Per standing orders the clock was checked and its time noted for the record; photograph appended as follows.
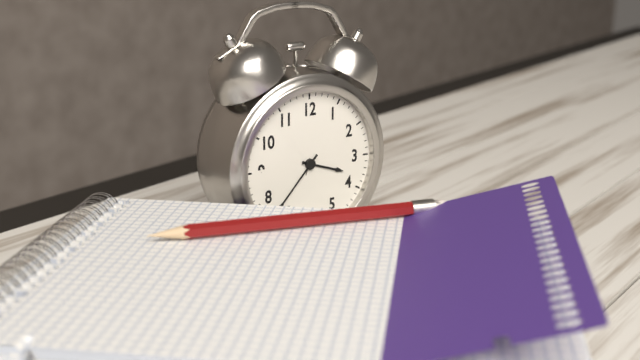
3:37
